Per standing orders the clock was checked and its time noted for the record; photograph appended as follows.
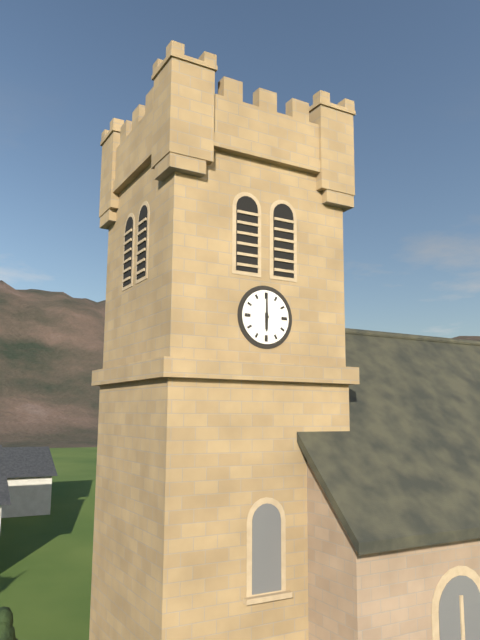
6:00
